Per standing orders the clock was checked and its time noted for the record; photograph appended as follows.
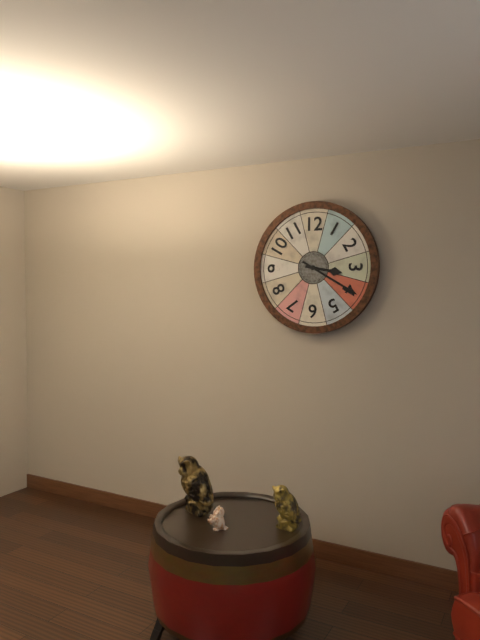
3:20
